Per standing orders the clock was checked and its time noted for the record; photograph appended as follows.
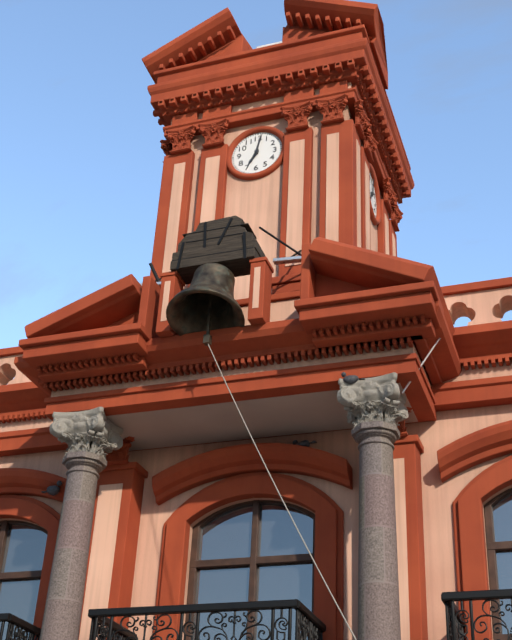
7:02
